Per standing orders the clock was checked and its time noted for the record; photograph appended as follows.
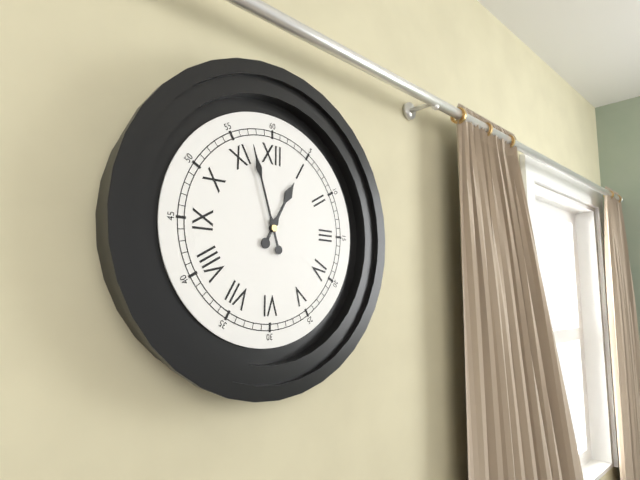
12:57
